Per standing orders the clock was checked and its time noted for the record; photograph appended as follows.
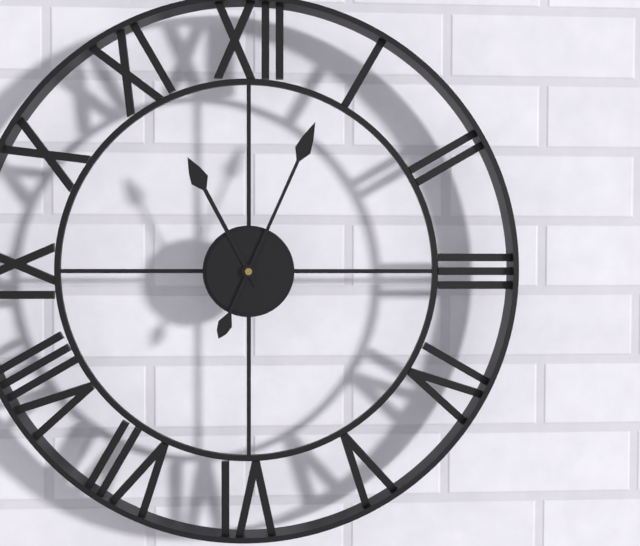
11:04
